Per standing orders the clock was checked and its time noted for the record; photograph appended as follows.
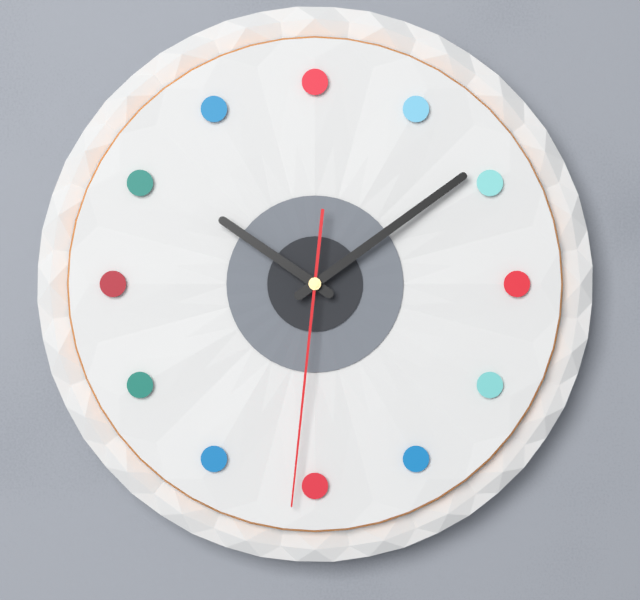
10:09:31
